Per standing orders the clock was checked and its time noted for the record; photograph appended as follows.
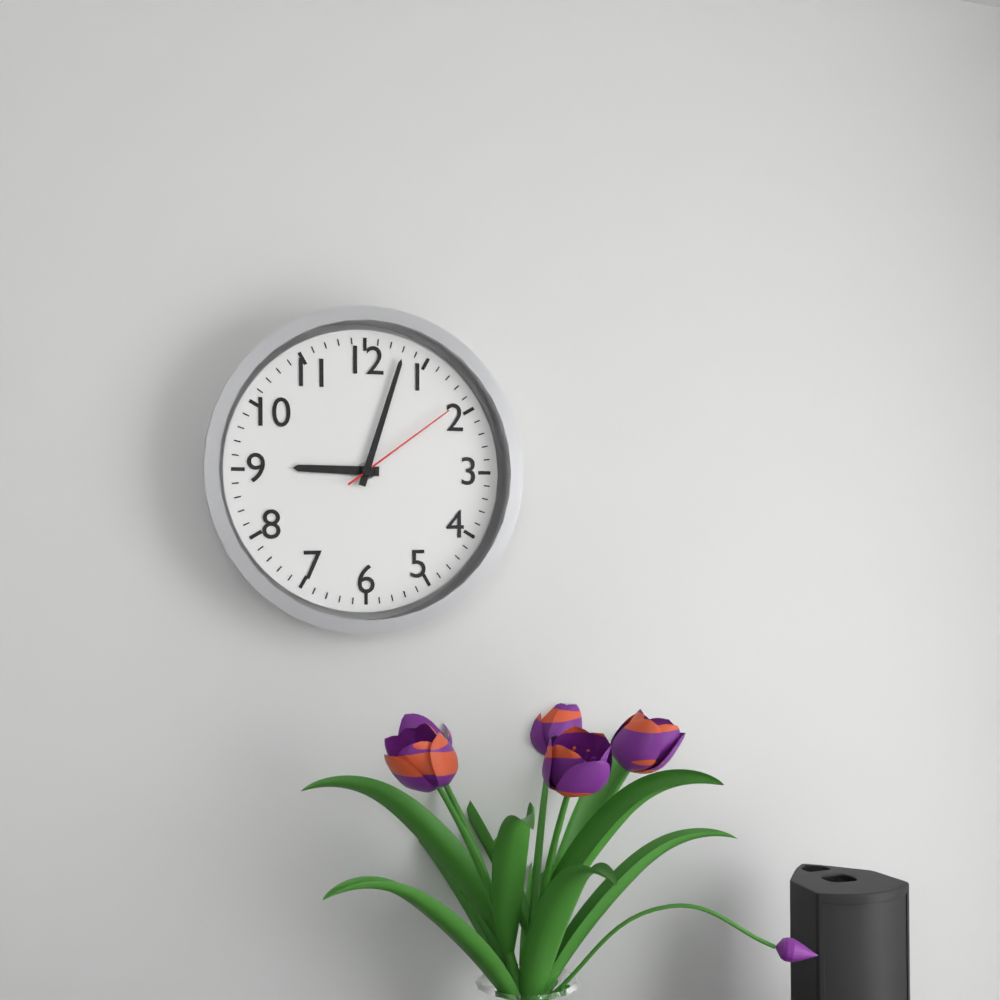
9:03:09
